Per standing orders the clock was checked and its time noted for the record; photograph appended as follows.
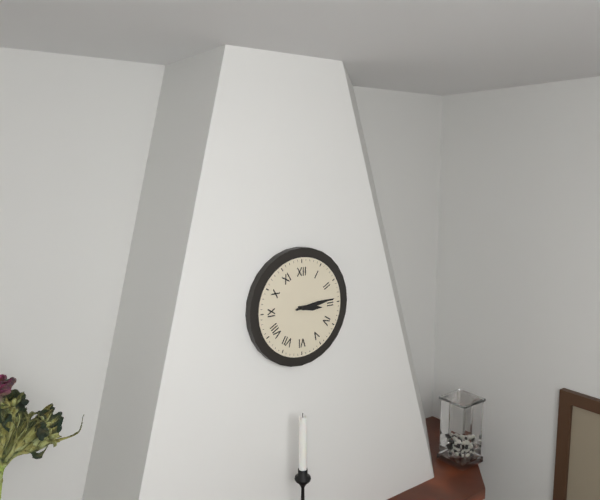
3:14
